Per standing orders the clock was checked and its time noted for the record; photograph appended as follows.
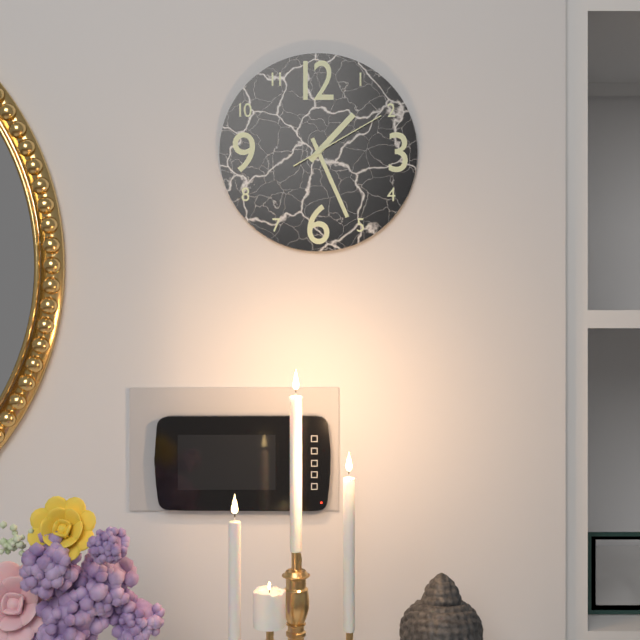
1:26:10
